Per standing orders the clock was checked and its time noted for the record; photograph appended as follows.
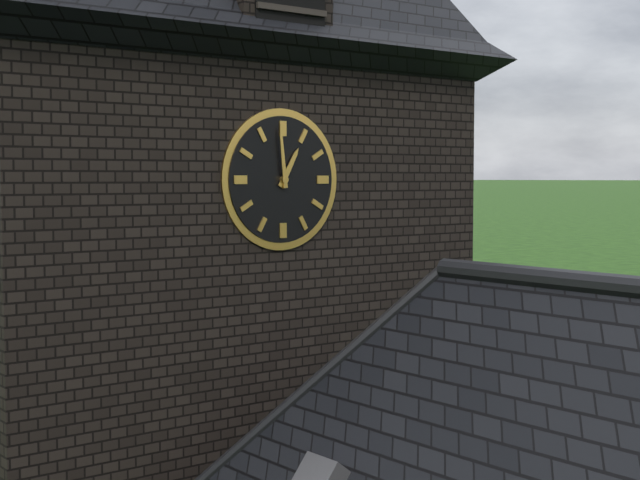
12:59
